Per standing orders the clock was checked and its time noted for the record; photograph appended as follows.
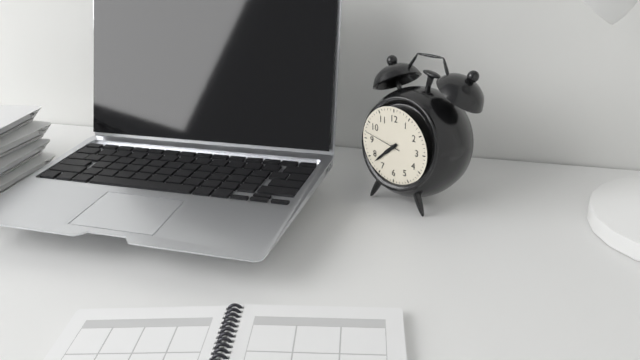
7:38
